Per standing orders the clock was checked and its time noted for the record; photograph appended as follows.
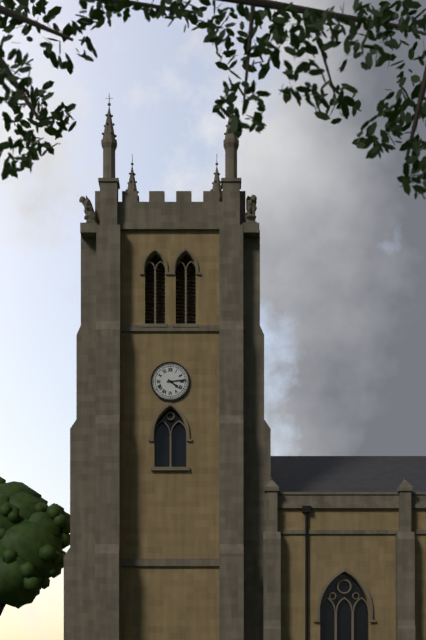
4:14
